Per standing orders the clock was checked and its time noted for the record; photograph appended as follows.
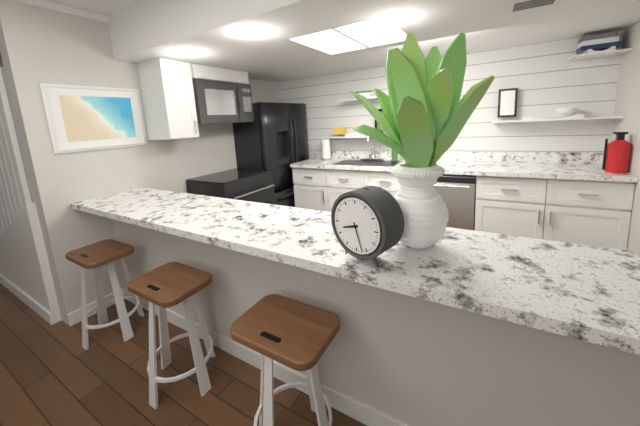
8:27
